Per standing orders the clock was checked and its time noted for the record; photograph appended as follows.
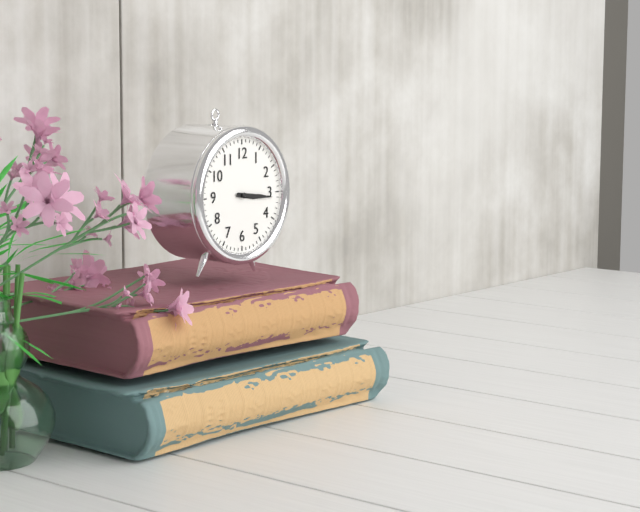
3:16
